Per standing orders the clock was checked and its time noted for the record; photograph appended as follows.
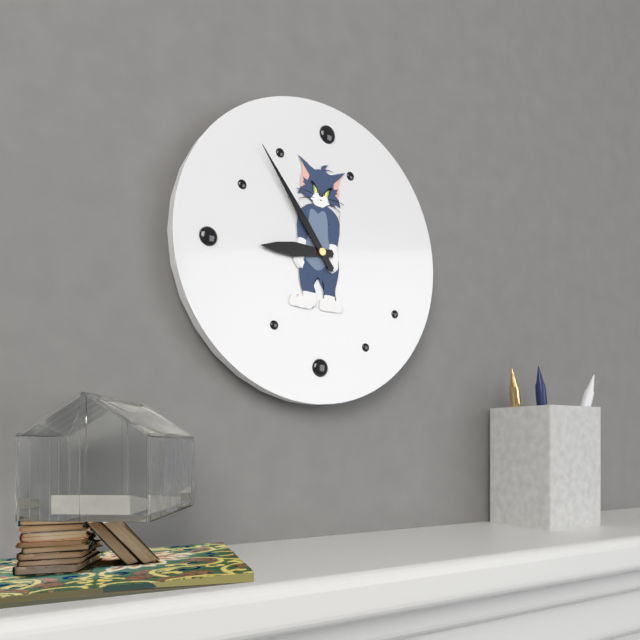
8:54
